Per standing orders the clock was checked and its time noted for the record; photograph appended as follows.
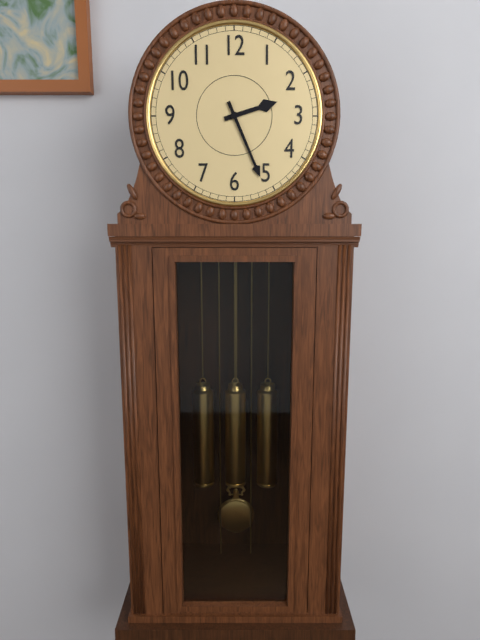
2:26
